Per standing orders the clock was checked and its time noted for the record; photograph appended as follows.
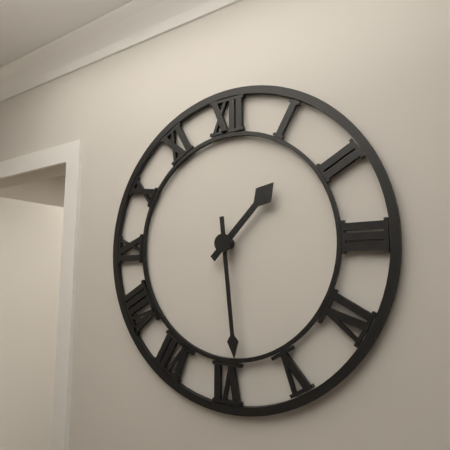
1:29
